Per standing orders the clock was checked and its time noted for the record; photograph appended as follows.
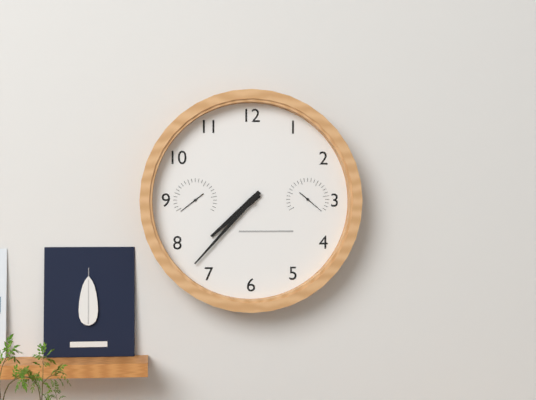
7:37
